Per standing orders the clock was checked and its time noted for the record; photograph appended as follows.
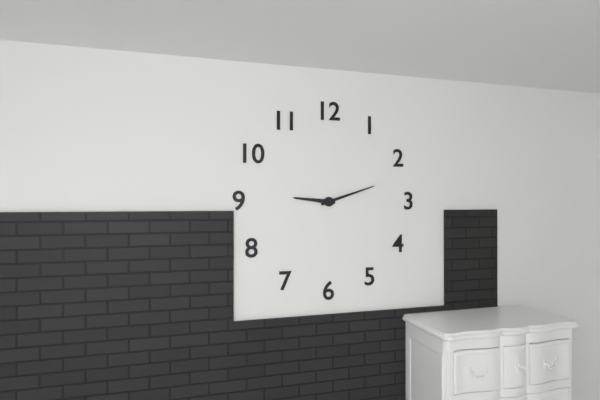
9:12
